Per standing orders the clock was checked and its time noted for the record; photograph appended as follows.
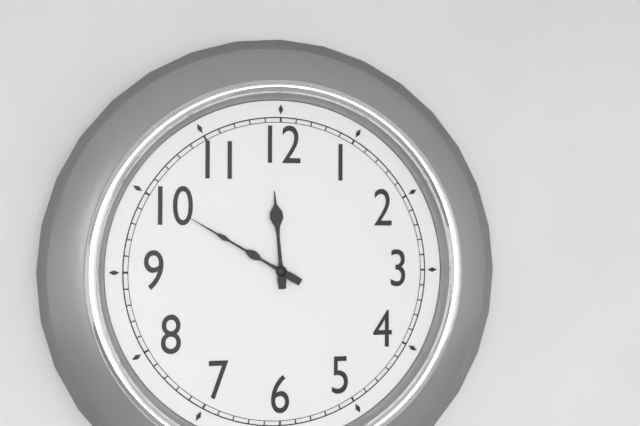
11:50
